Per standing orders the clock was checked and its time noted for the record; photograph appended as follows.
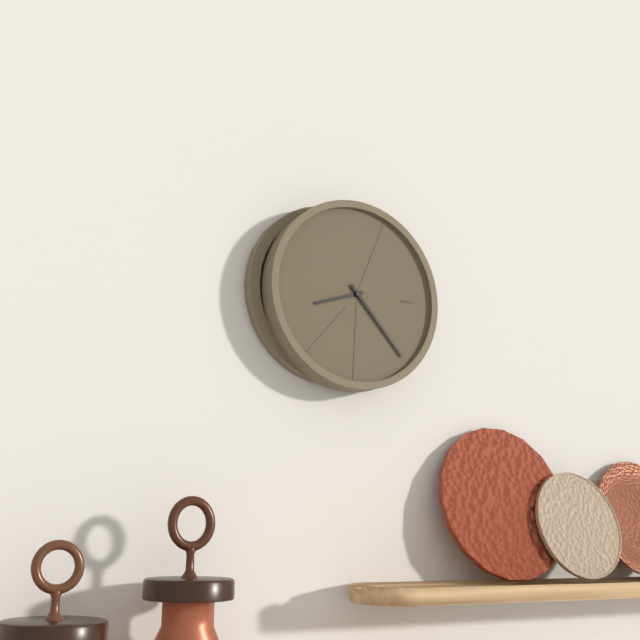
8:23
